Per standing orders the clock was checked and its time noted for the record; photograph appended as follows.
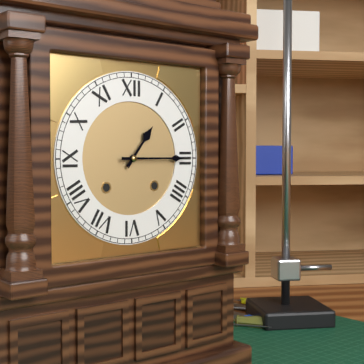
1:15
